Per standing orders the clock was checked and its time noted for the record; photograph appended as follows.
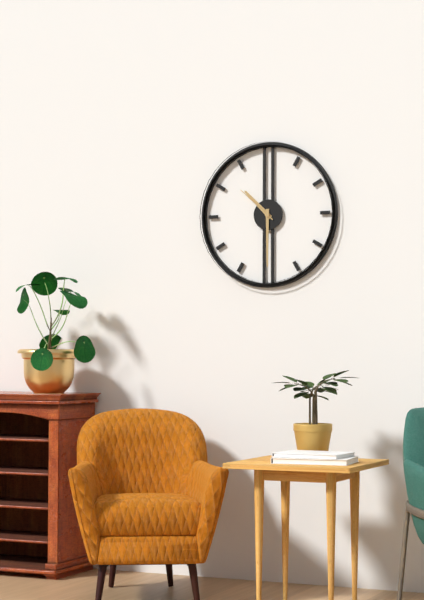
10:30
